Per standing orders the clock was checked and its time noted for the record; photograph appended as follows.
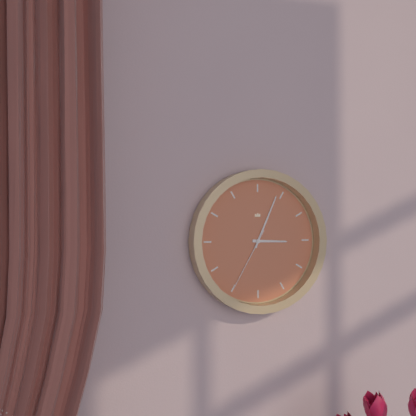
3:04:35
